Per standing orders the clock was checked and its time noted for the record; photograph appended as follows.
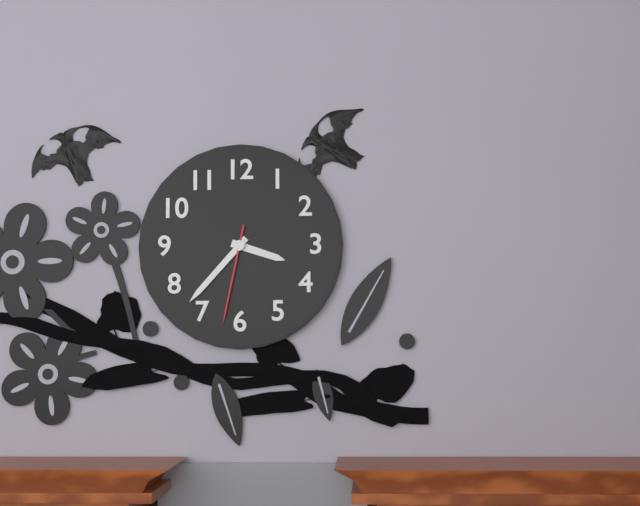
3:37:32
